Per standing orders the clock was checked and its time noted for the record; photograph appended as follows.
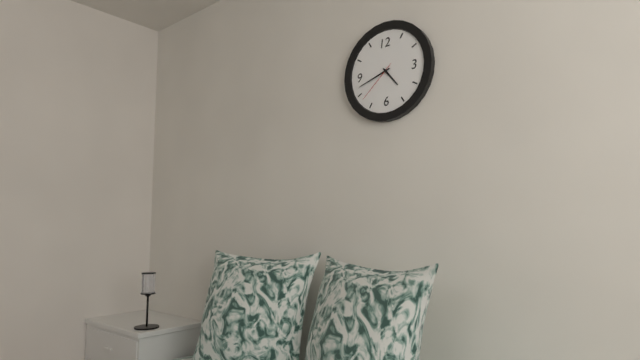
4:42
